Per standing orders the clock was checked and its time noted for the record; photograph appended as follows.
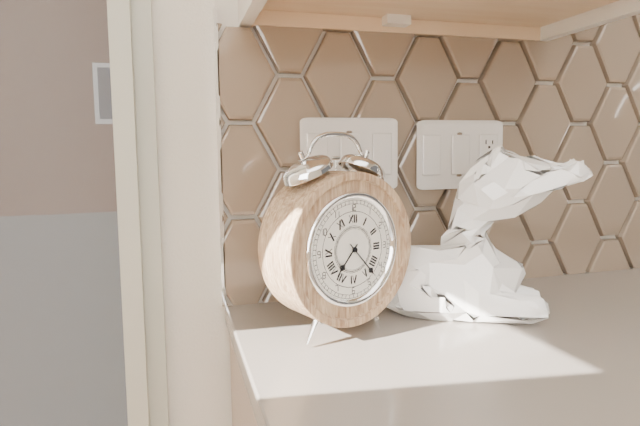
7:23
